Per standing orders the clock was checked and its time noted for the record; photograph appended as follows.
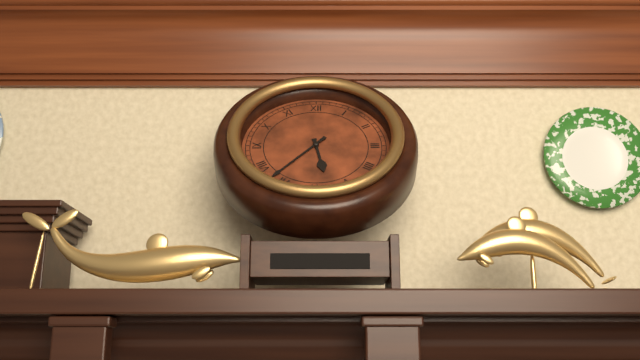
5:37
